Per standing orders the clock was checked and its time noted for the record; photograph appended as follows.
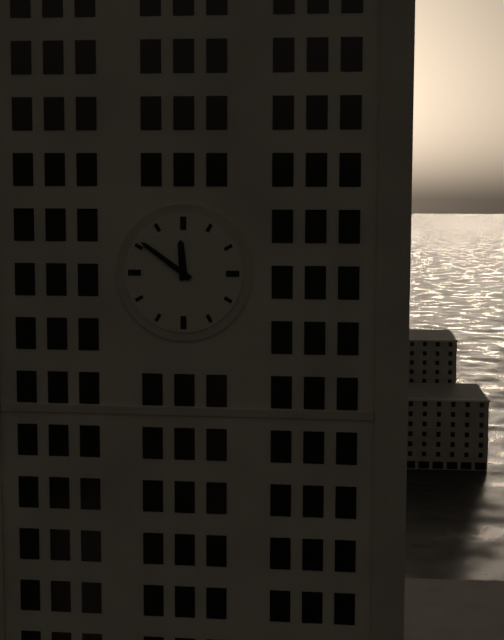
11:51
